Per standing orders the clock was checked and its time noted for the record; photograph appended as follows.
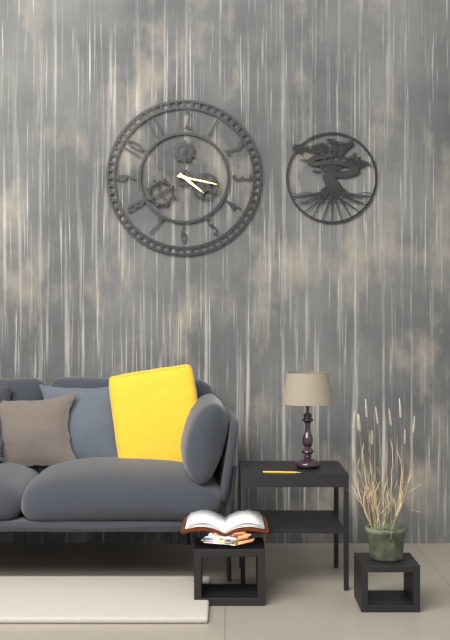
4:17
